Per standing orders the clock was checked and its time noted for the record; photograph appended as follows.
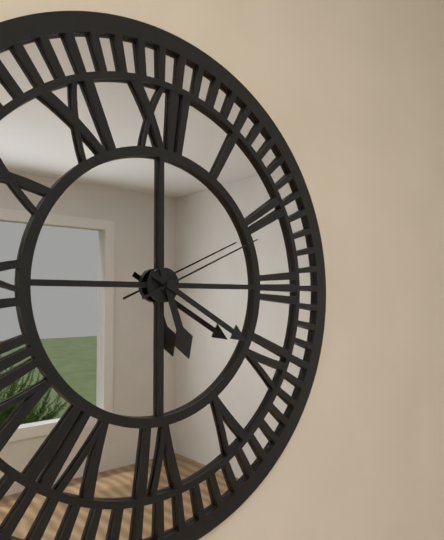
5:20:11
